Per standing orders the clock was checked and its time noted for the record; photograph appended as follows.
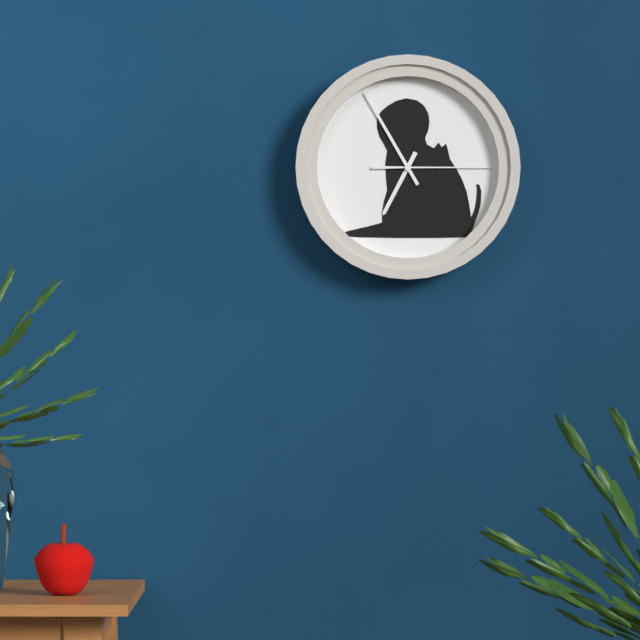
6:55:15
